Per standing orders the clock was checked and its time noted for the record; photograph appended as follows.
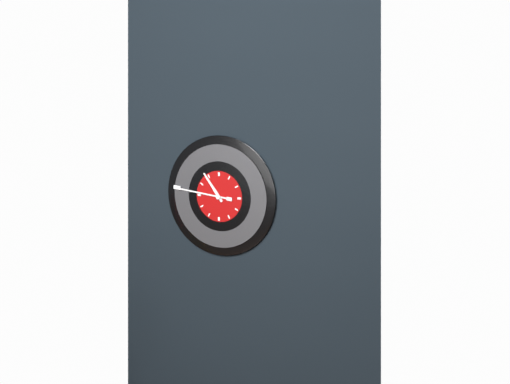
10:46
